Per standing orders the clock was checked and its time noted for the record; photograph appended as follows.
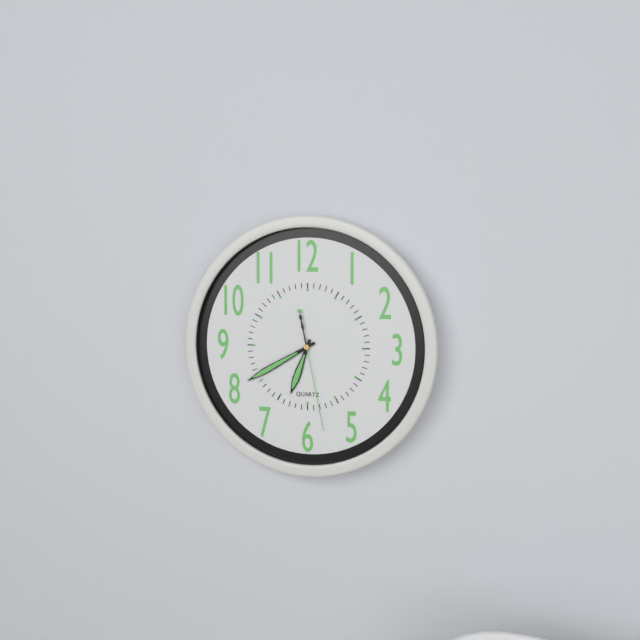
6:40:28
